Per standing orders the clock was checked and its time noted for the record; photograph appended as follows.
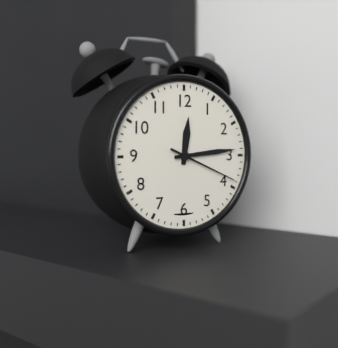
12:14:19
